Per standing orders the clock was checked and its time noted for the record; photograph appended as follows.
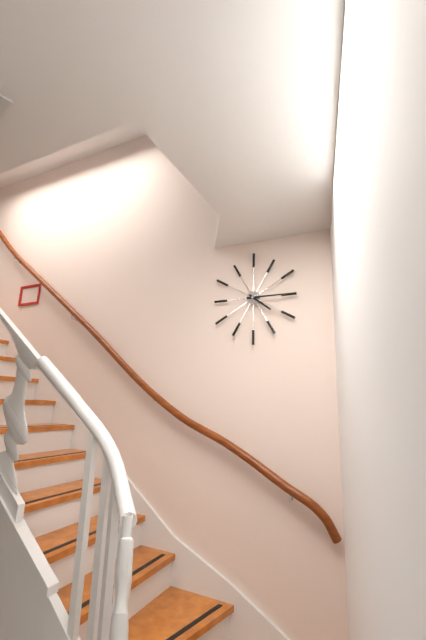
4:15
